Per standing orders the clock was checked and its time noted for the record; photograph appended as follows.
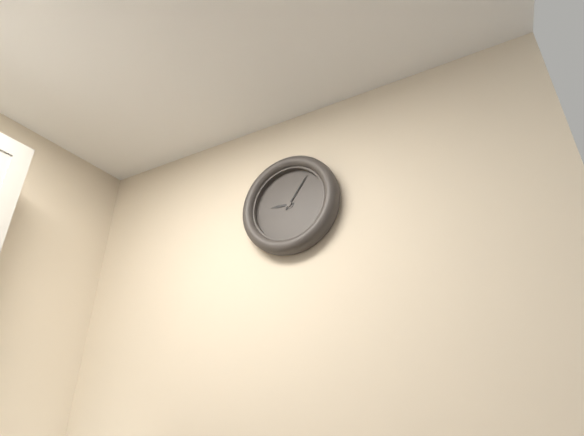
9:06
